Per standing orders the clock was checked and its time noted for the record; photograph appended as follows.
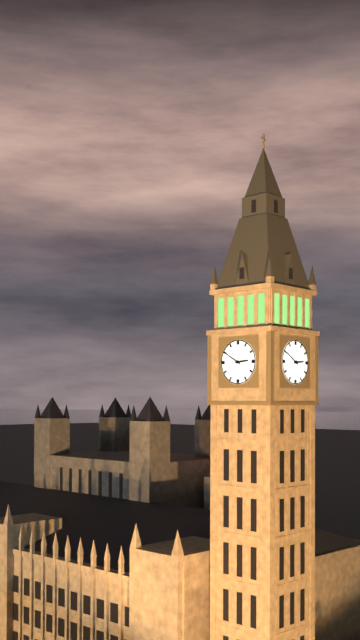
2:50
